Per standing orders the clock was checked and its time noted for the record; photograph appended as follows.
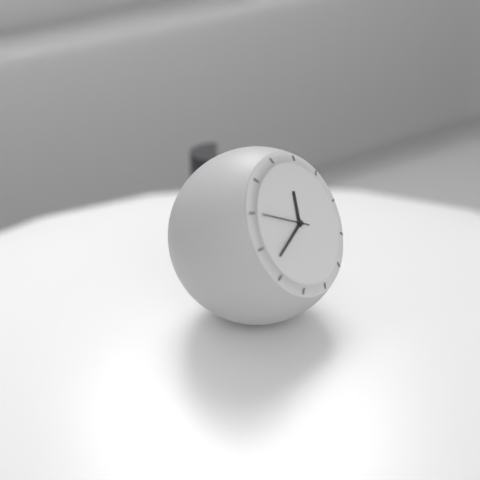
12:42
